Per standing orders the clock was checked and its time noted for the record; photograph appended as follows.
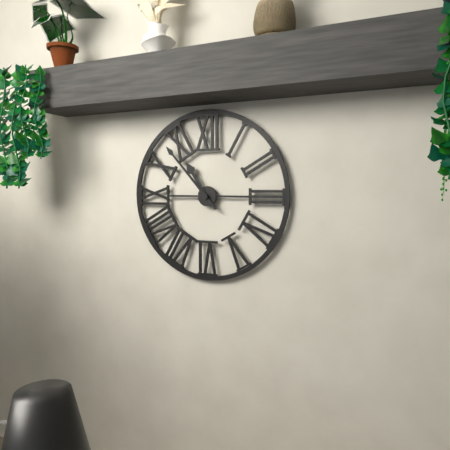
10:53
